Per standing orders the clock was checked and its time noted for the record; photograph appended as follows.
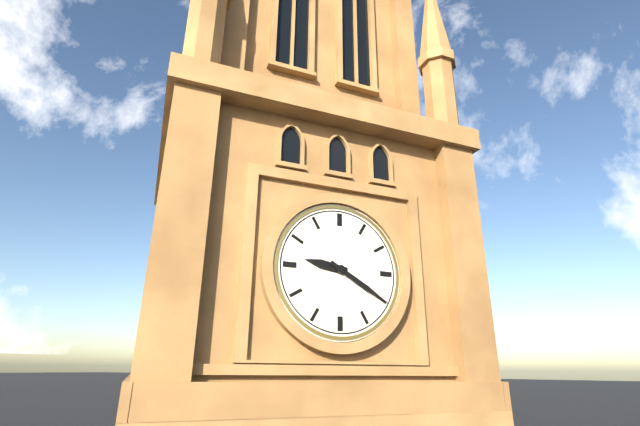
9:20
